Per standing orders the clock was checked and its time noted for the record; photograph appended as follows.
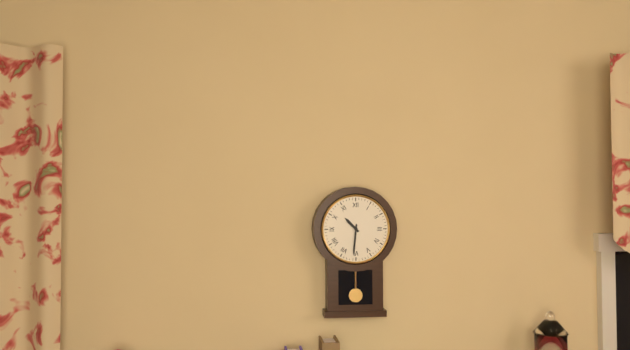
10:31
